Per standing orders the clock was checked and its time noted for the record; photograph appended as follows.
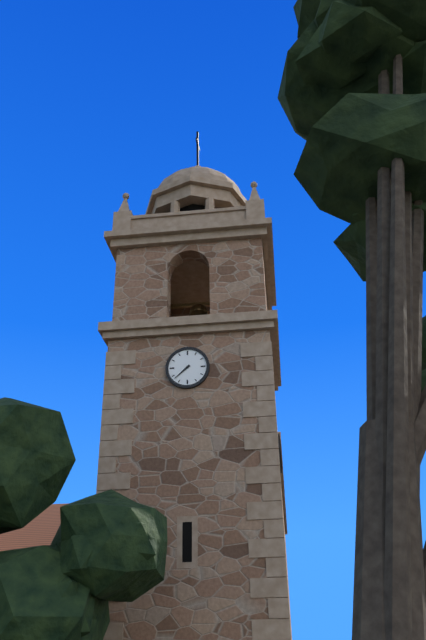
7:38
